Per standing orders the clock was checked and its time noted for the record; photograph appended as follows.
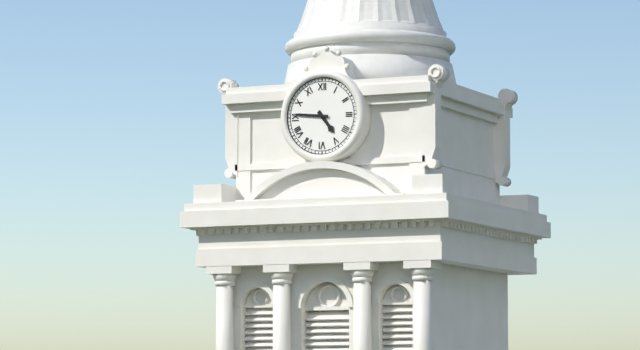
4:46
